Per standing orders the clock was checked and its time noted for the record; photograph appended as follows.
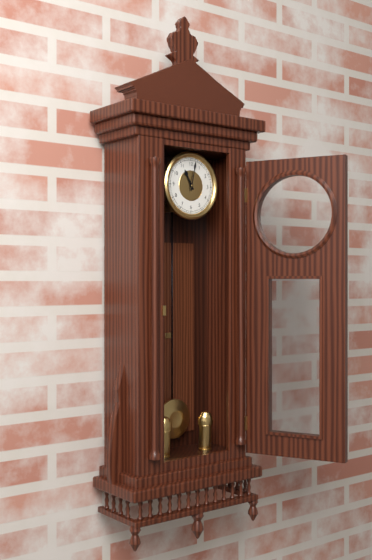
11:02
